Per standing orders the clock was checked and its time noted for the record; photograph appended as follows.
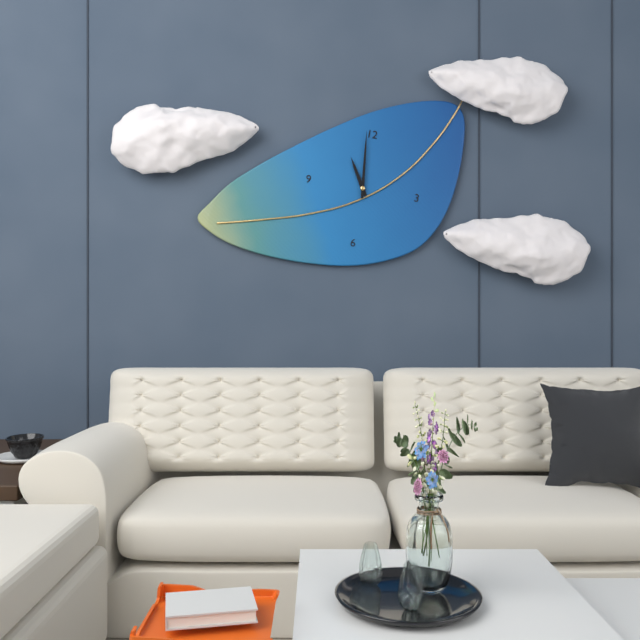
10:59
